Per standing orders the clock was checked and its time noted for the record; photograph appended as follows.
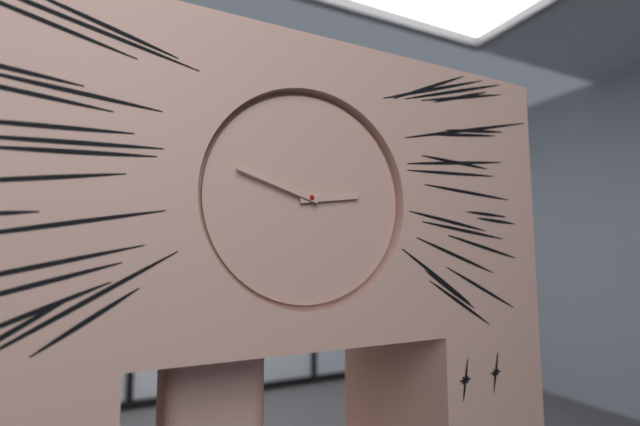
2:48
